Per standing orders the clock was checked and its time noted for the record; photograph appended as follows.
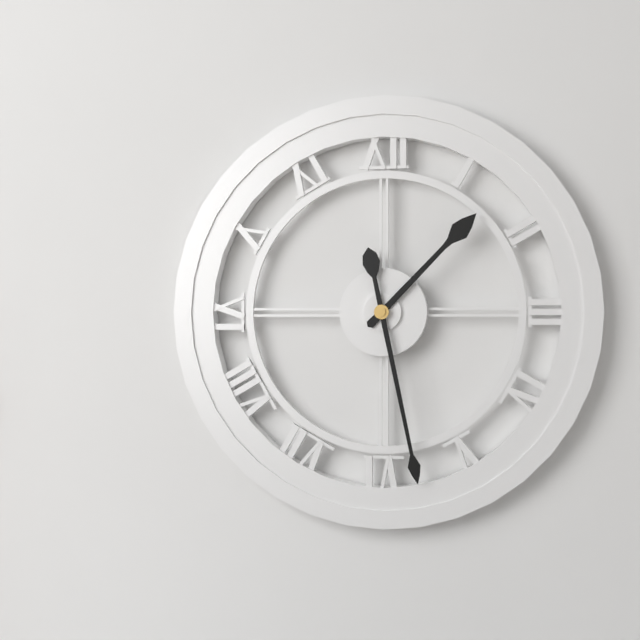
1:28
